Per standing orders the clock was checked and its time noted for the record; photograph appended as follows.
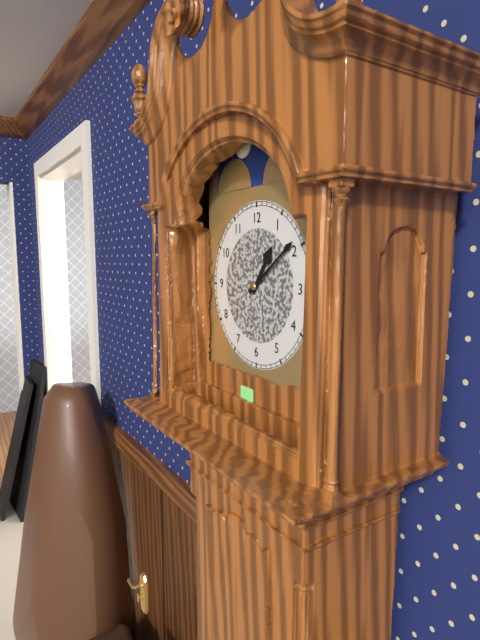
1:09
